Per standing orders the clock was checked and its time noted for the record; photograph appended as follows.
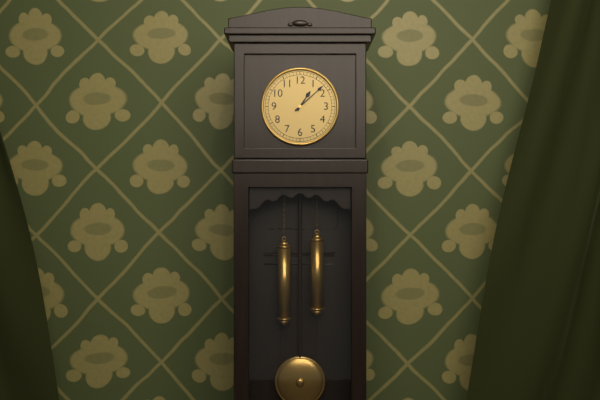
1:08
